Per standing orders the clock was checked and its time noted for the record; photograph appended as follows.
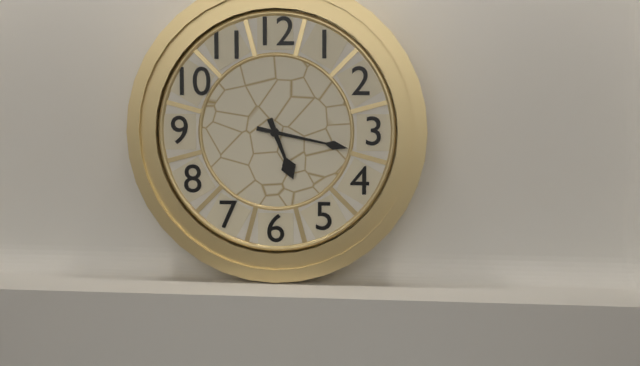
5:17
